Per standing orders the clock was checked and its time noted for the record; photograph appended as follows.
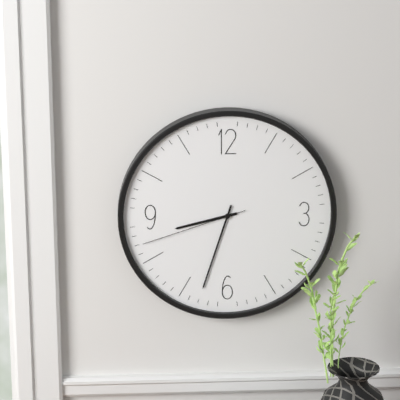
8:33:42
